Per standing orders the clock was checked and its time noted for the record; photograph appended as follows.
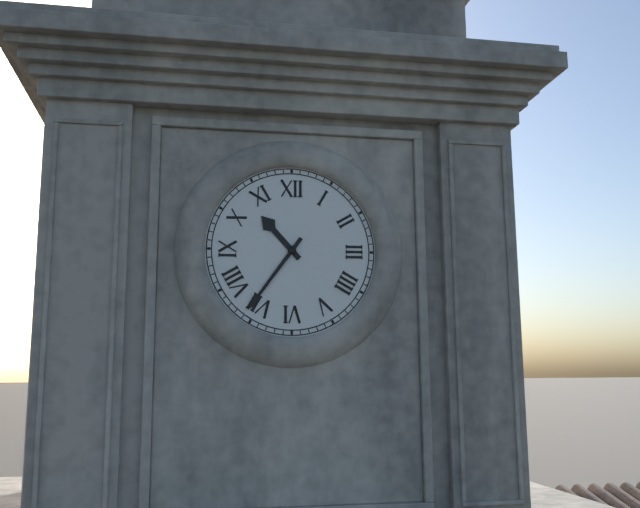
10:36
